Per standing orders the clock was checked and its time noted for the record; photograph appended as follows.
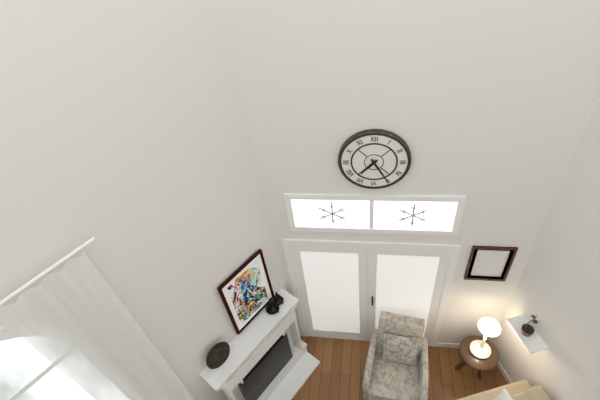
7:25
